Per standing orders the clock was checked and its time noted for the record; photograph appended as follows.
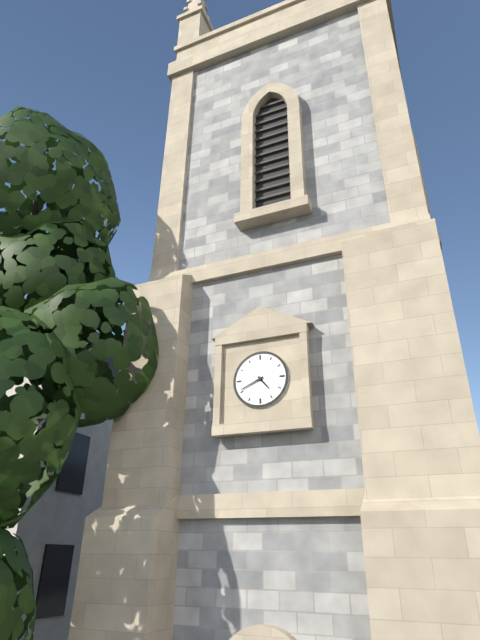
4:41
